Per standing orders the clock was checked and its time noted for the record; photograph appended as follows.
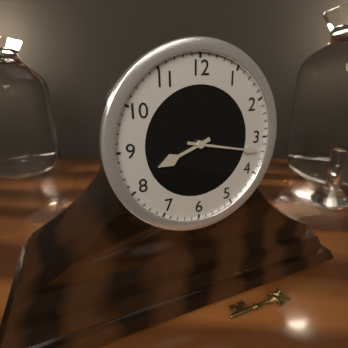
8:17
